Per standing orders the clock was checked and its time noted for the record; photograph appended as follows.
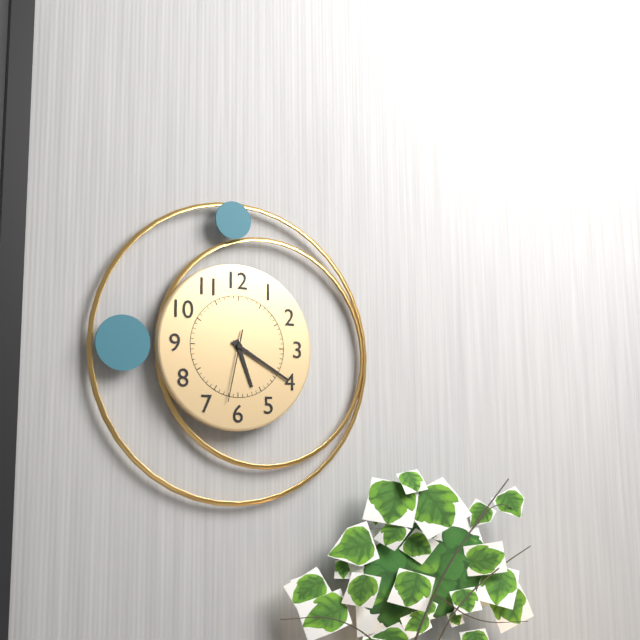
5:20:32
